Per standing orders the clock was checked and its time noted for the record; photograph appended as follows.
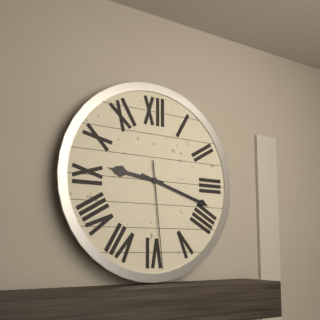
9:18:29
